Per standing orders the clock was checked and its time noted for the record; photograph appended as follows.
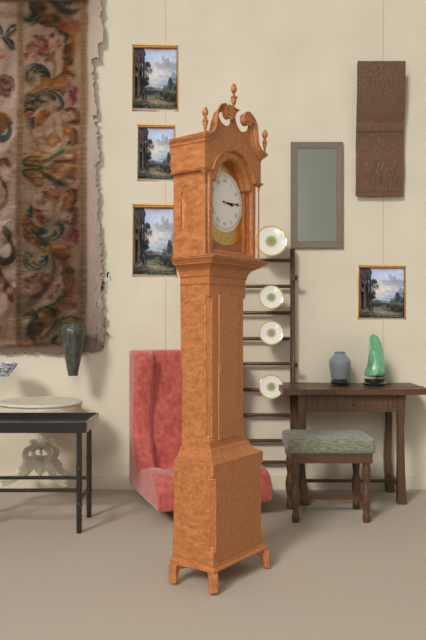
3:15
